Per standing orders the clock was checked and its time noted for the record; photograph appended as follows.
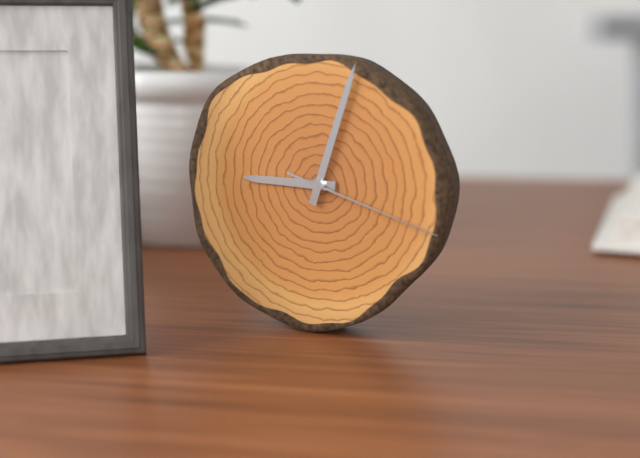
9:03:18
